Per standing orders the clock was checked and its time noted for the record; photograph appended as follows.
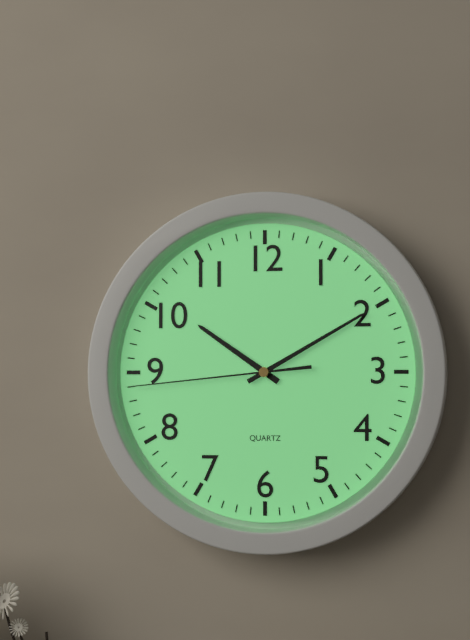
10:10:44
